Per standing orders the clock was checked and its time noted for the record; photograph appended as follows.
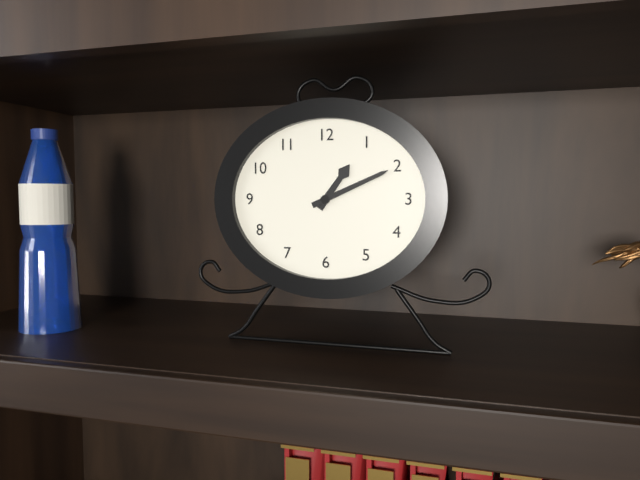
1:11
